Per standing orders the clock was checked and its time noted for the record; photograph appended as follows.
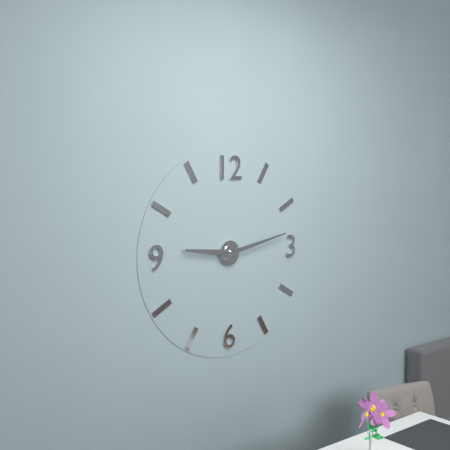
9:13
